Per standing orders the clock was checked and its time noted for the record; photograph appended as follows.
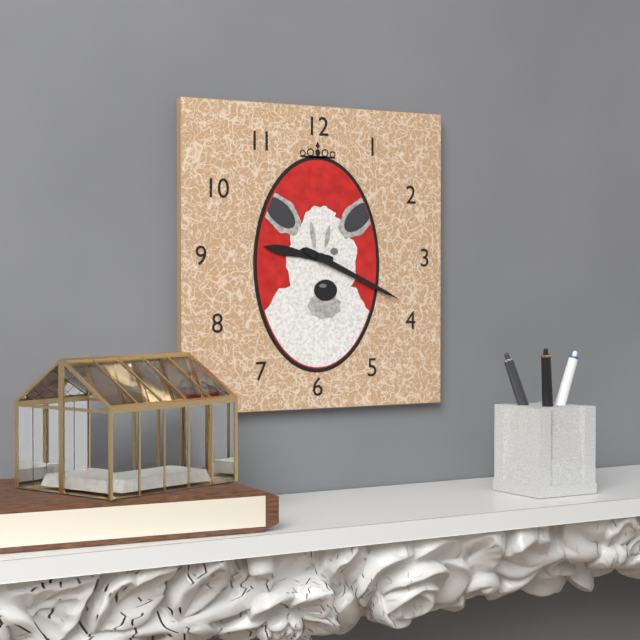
9:19
